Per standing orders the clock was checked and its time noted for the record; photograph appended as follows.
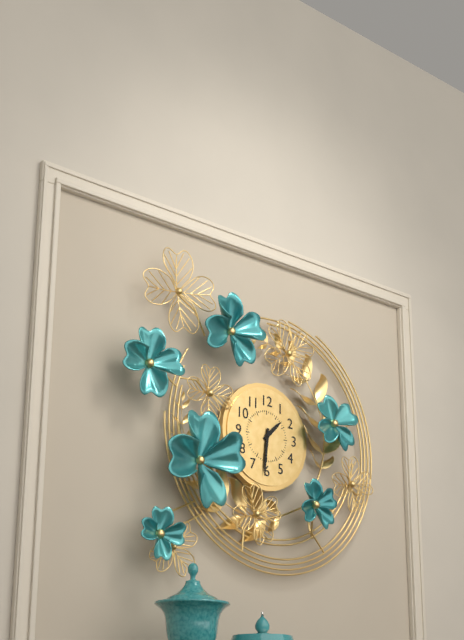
1:31
